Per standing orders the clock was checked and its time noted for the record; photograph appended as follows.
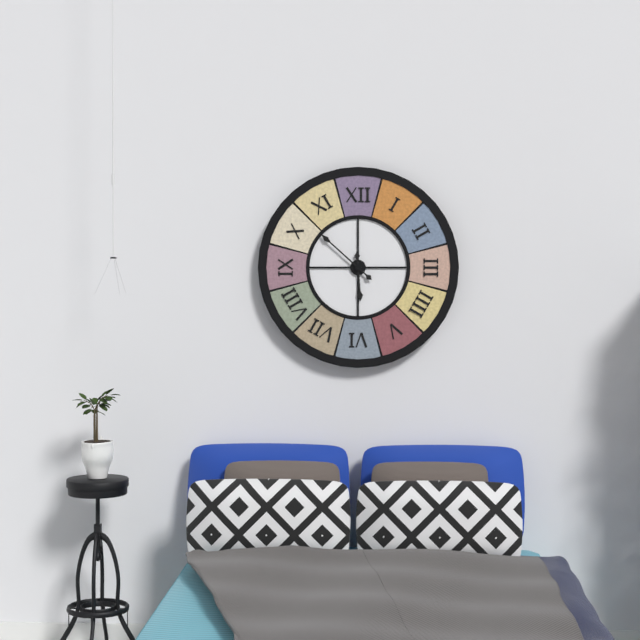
5:52
